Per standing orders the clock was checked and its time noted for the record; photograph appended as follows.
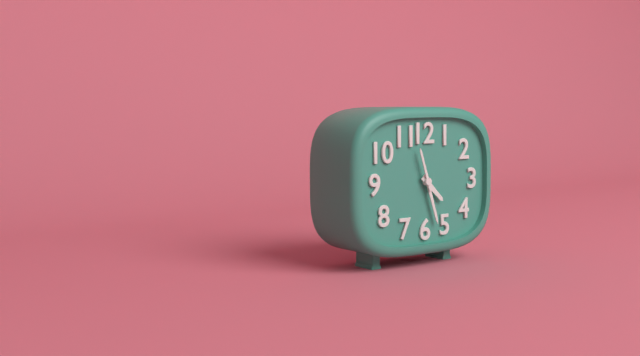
4:27
